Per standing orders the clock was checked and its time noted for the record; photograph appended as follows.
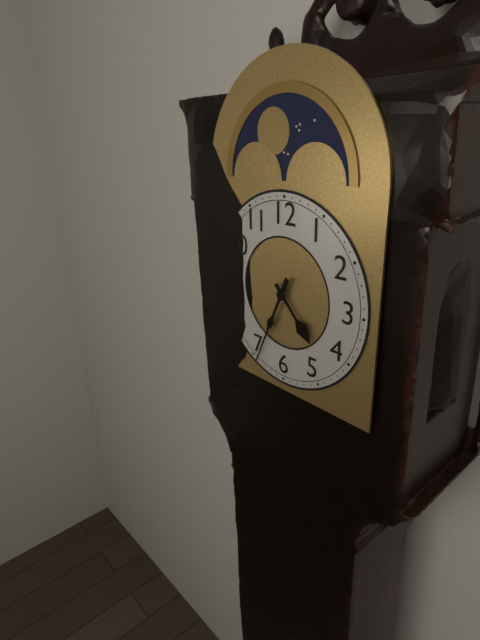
4:34
